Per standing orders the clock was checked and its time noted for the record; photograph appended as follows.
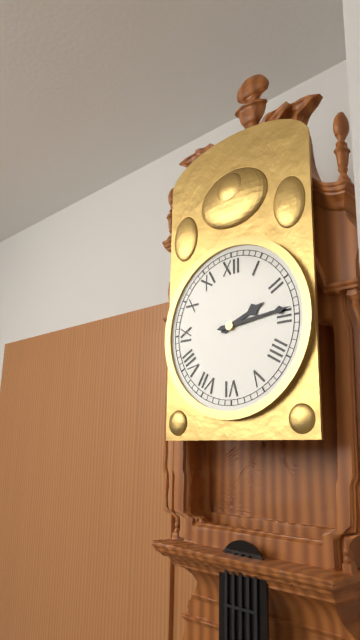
2:14
